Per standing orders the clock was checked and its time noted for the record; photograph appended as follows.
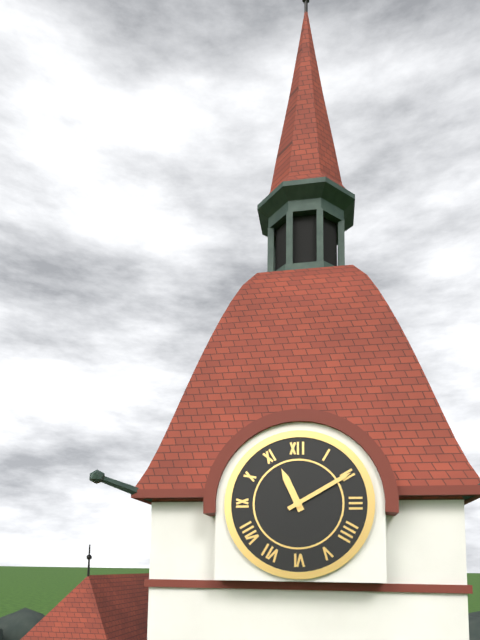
11:10
